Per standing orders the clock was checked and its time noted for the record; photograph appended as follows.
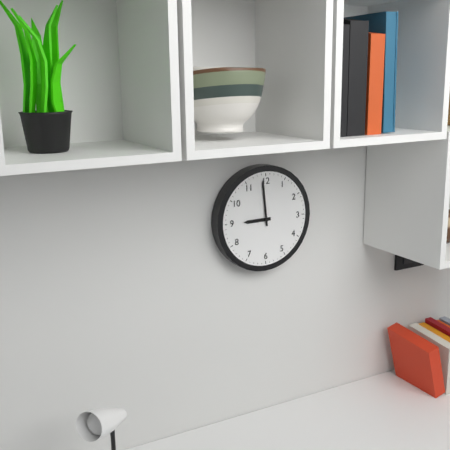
8:59
